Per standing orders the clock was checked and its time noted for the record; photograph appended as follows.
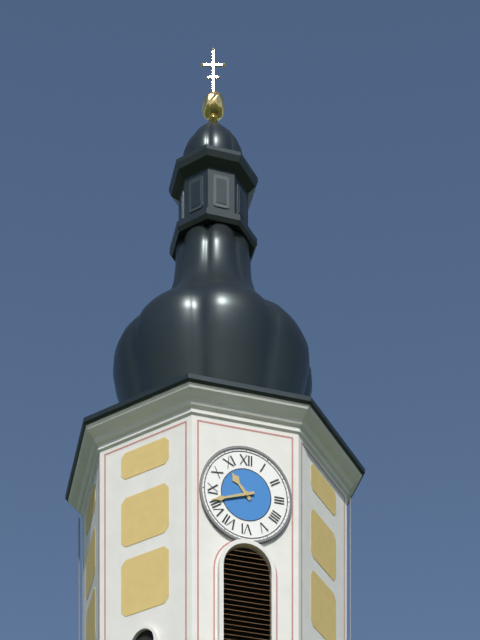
10:42
